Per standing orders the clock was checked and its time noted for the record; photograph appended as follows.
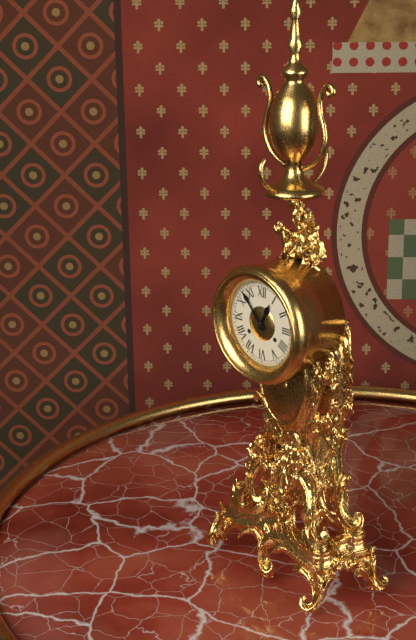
12:53
